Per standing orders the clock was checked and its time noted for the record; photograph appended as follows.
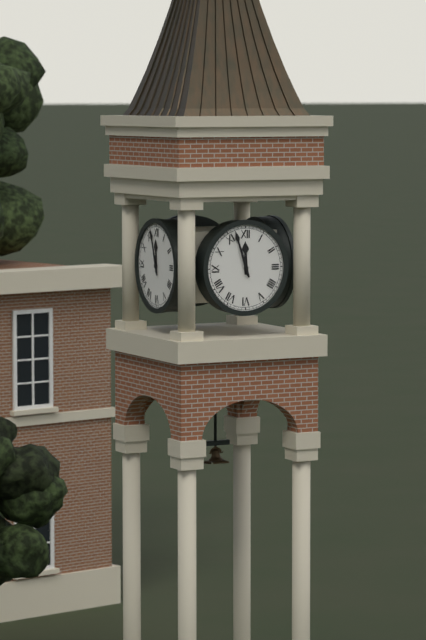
11:57
